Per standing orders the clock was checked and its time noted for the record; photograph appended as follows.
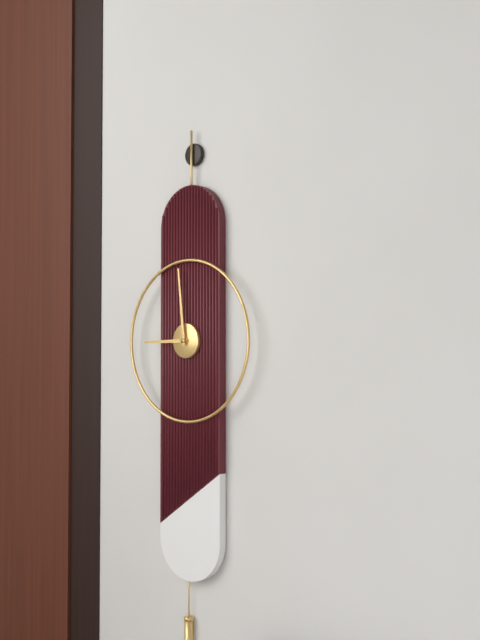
8:59
